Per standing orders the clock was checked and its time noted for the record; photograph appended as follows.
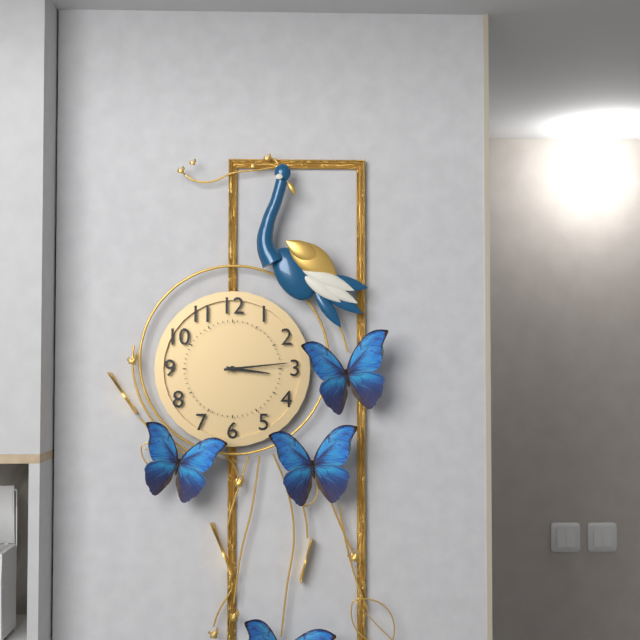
3:14
